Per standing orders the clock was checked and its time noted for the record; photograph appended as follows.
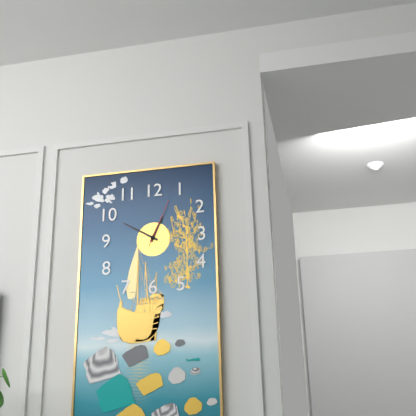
12:50:04
